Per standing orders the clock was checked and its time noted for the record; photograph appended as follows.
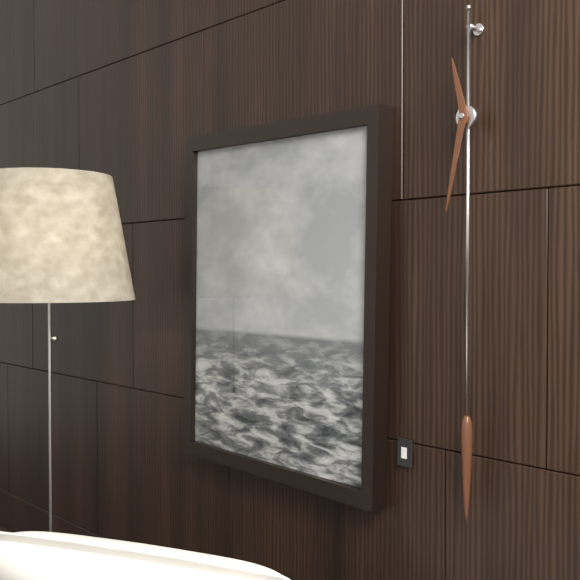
11:32
